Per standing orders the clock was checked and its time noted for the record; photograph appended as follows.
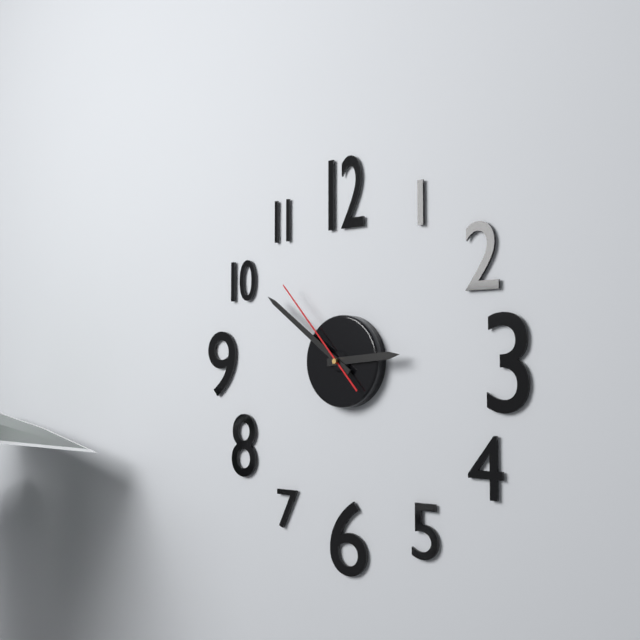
2:51:53
